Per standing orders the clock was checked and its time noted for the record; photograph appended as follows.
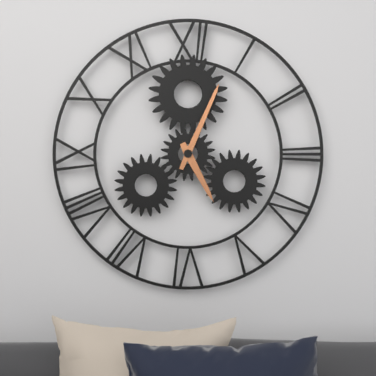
5:04
